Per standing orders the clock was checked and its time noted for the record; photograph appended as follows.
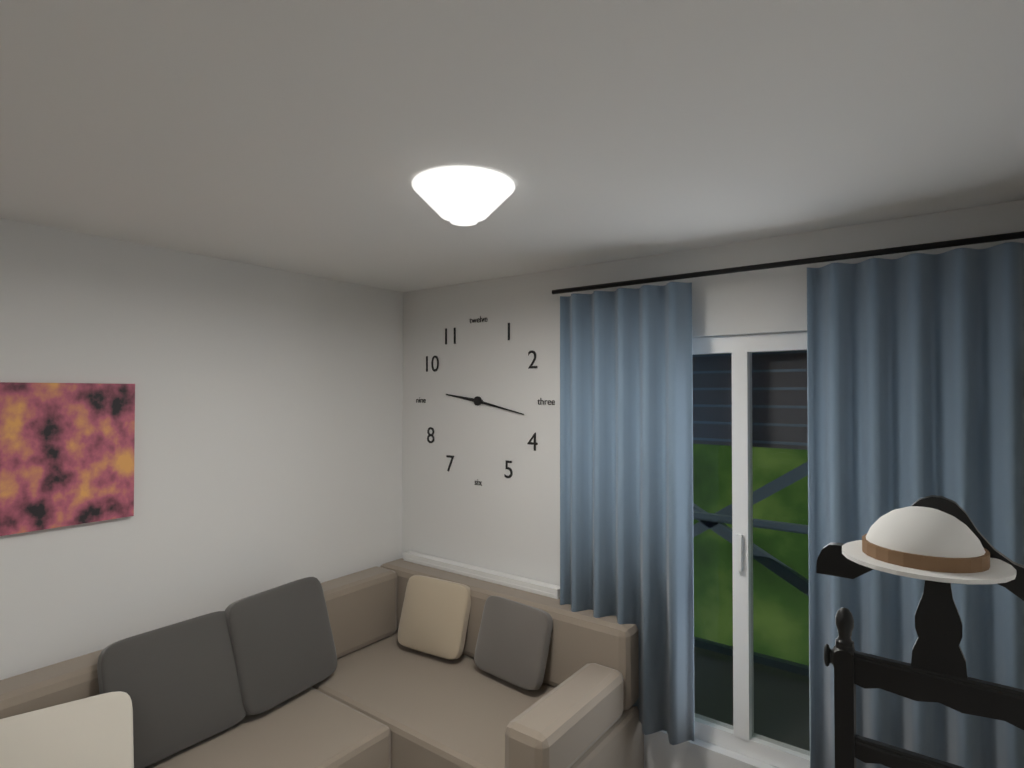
9:17
